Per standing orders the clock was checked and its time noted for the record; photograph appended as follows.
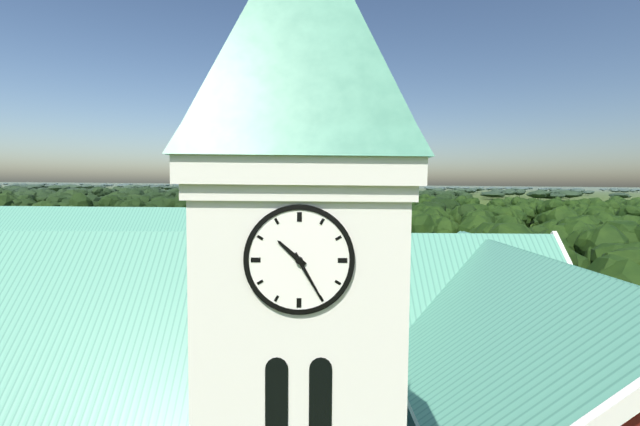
10:25
